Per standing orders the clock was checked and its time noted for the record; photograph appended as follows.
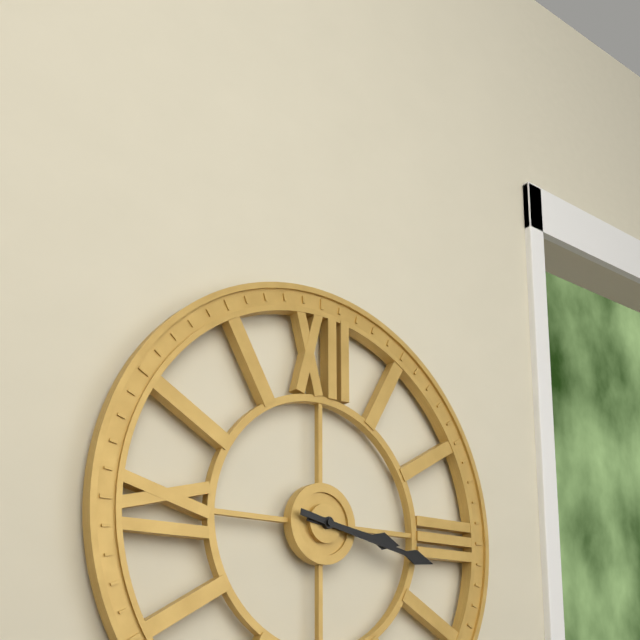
3:17
